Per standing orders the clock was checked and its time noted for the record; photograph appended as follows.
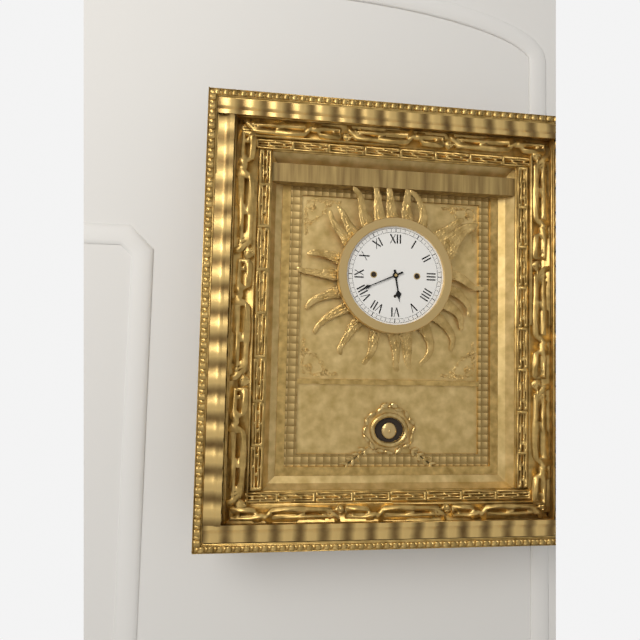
5:41
